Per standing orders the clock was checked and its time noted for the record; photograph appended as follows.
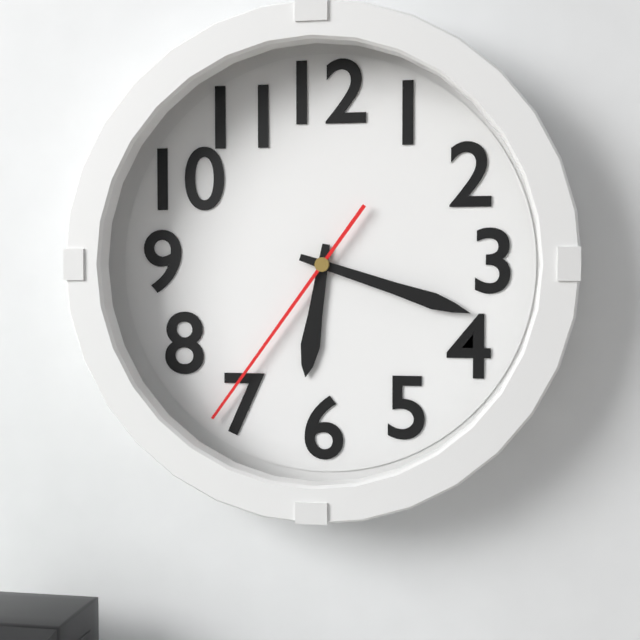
6:18:36
